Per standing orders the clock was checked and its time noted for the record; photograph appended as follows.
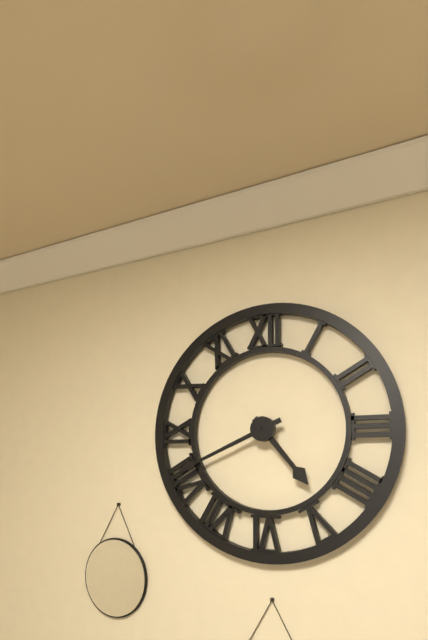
4:41
